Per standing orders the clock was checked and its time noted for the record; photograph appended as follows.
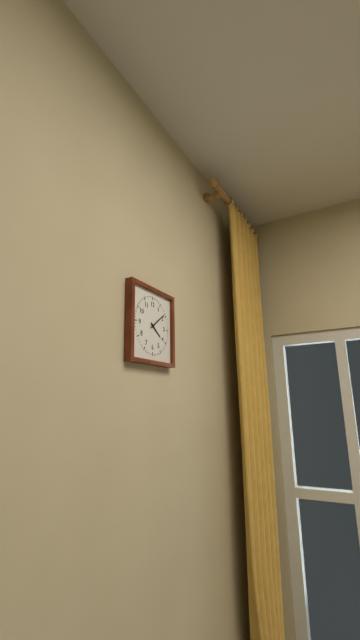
4:09
